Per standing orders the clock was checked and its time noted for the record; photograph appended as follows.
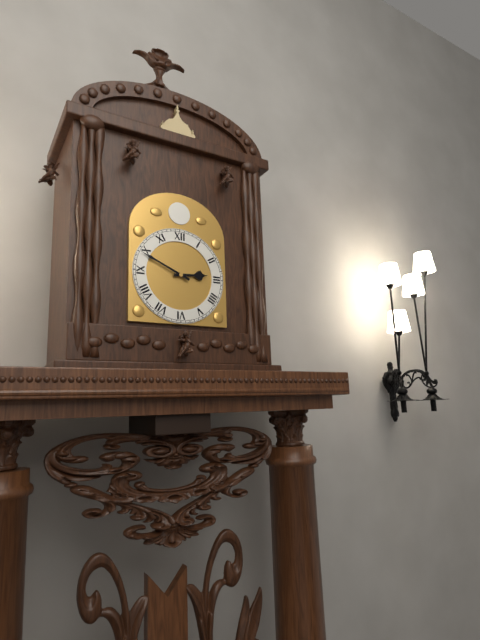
2:49
